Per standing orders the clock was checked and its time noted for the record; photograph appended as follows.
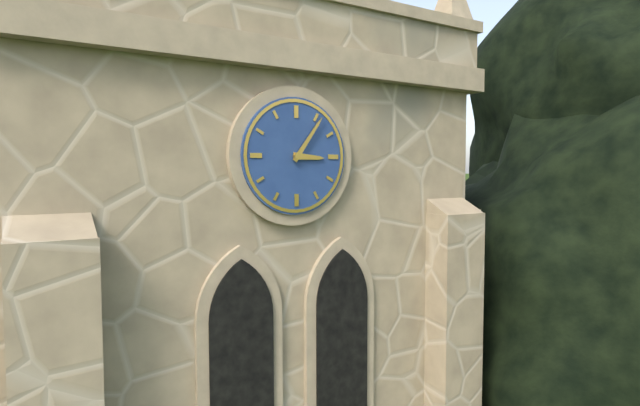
3:06
